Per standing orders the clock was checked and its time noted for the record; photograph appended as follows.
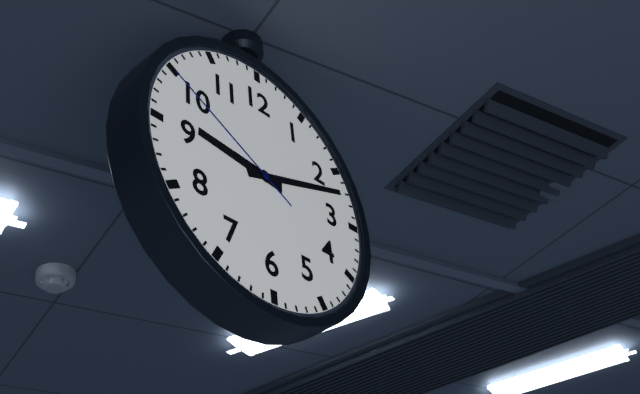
9:12:50
